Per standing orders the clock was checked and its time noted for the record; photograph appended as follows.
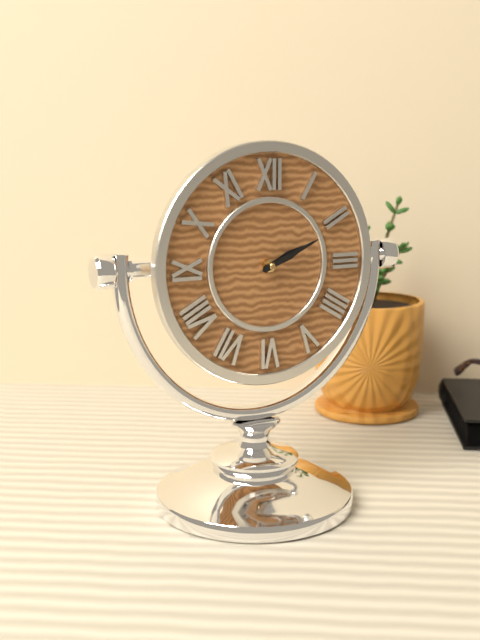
2:11
